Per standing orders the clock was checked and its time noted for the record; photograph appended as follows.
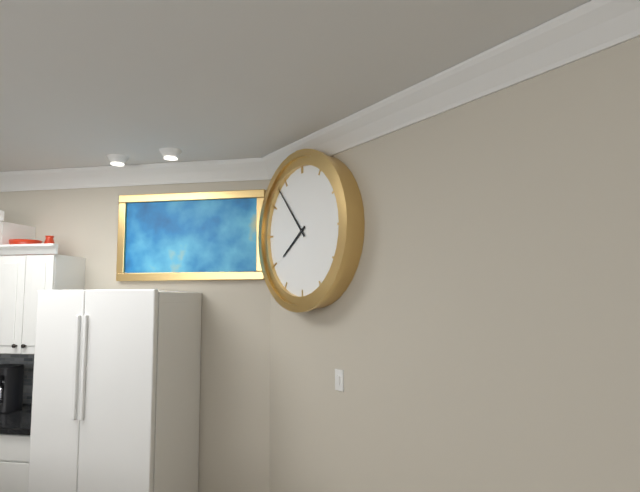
7:53
